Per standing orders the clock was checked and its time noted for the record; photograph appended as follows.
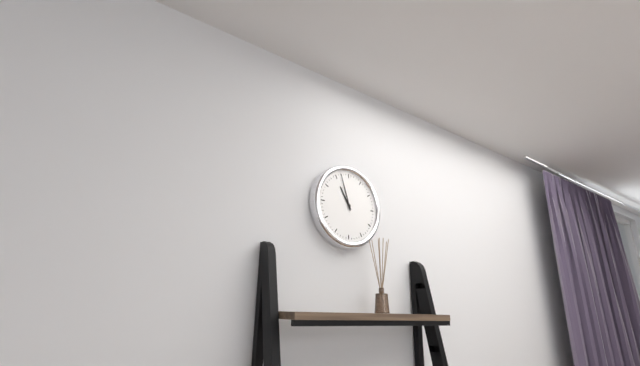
10:57
